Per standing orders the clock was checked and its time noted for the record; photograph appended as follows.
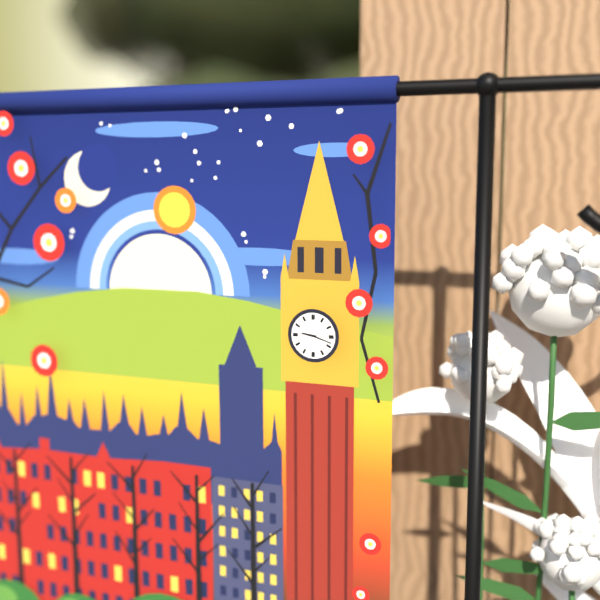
9:18
